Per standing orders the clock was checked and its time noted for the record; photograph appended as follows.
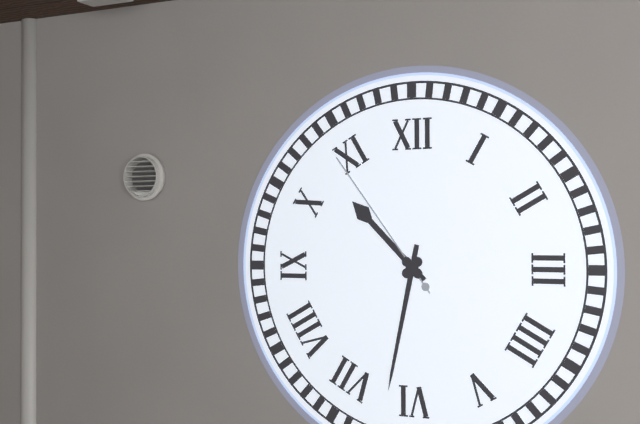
10:32:54
